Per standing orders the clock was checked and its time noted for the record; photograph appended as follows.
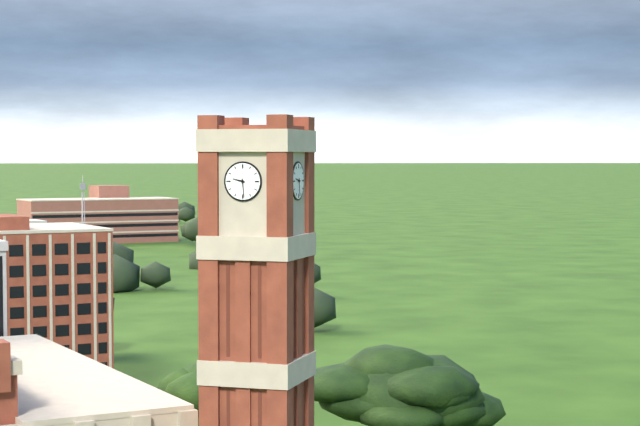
9:29
